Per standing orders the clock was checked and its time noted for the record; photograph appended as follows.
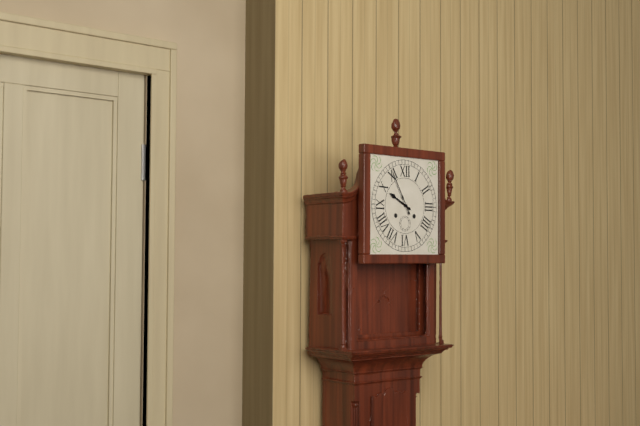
9:55
